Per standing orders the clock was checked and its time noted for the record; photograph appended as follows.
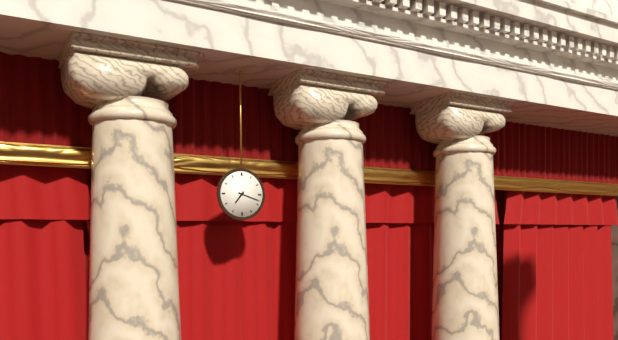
7:18
